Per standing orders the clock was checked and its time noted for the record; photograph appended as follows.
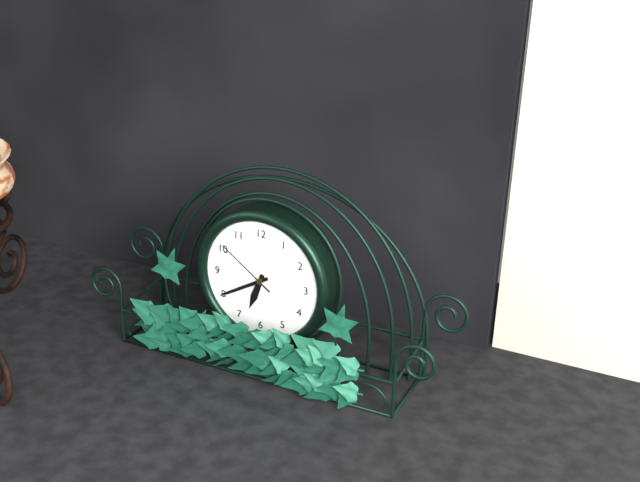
6:40:51
